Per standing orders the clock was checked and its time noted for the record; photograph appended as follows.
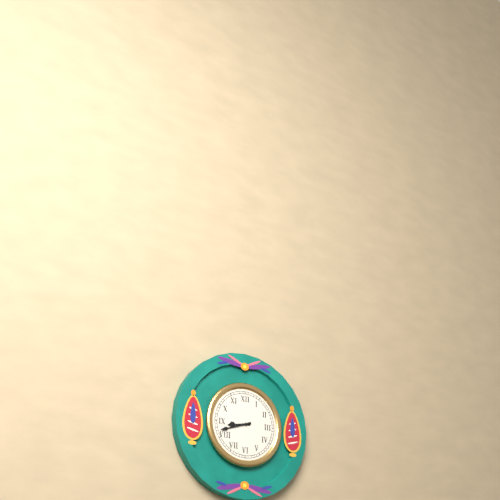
8:42
